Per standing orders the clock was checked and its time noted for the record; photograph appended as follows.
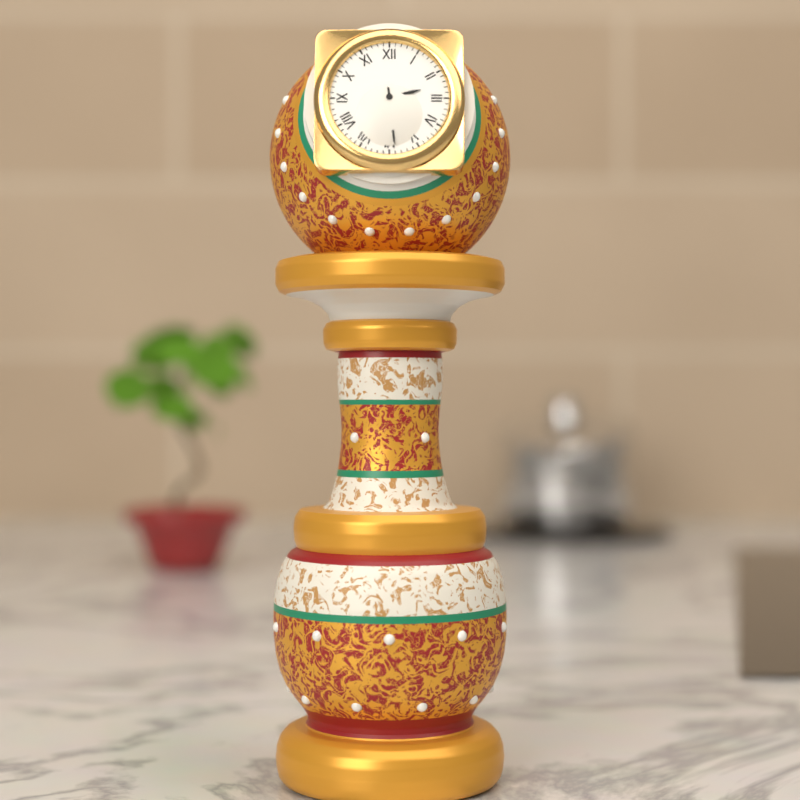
2:29
